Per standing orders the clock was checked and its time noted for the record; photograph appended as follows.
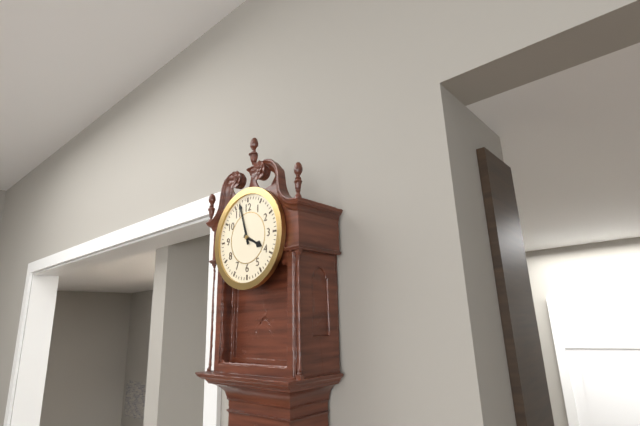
3:57
